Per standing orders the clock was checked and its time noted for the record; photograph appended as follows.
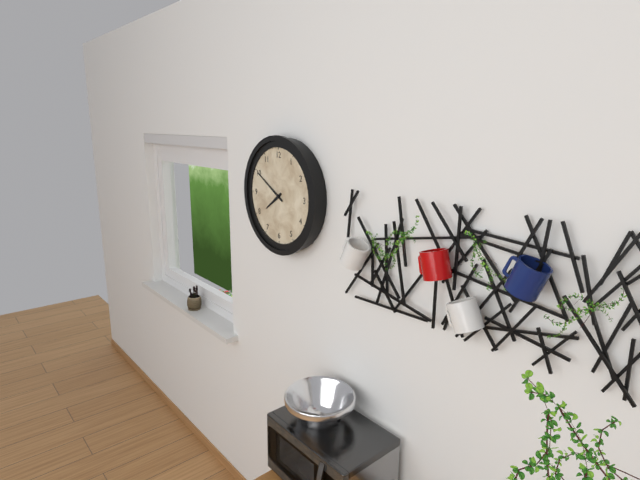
7:50
